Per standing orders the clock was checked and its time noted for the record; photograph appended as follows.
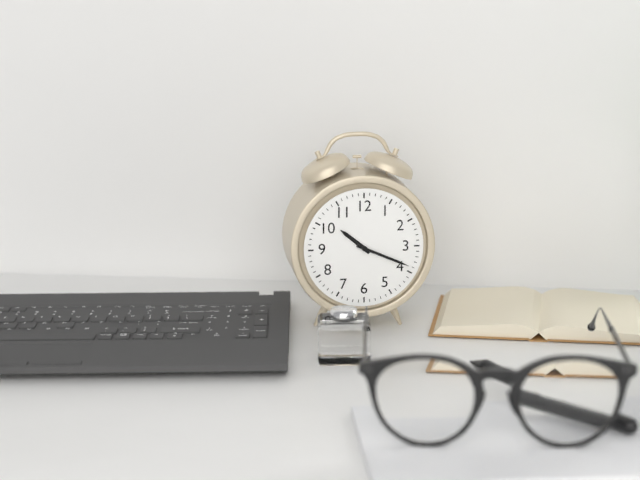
10:19
